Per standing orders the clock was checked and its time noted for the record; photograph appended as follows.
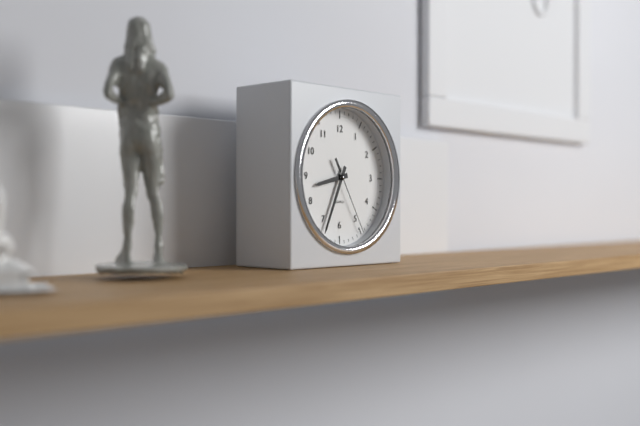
8:34:25
